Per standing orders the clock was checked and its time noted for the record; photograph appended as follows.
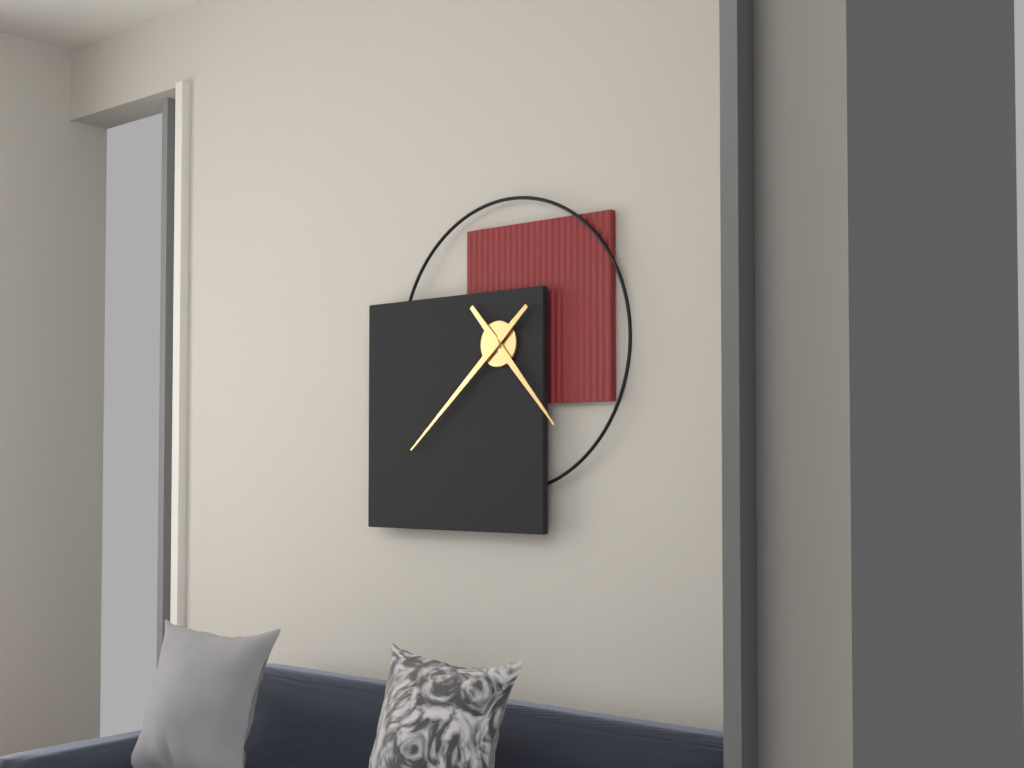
4:38
